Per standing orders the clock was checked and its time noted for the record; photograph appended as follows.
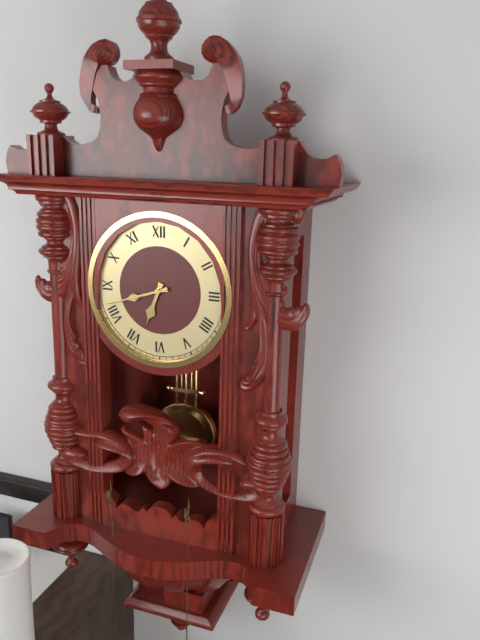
6:42
